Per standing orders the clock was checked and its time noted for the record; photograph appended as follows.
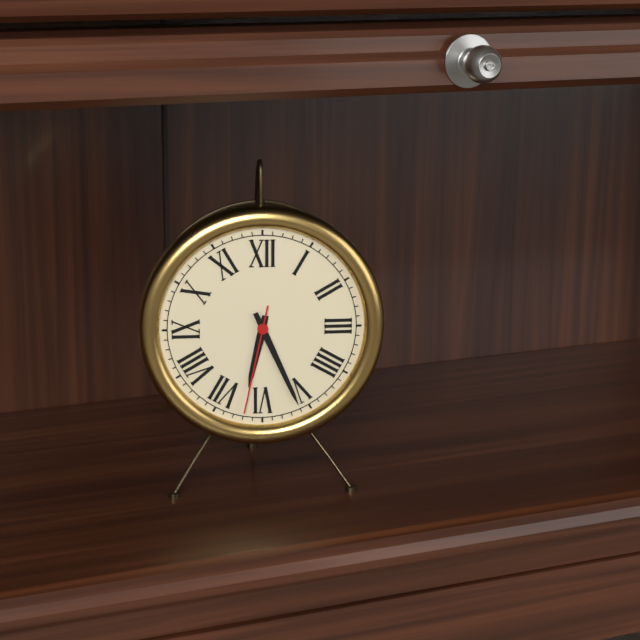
6:26:32
